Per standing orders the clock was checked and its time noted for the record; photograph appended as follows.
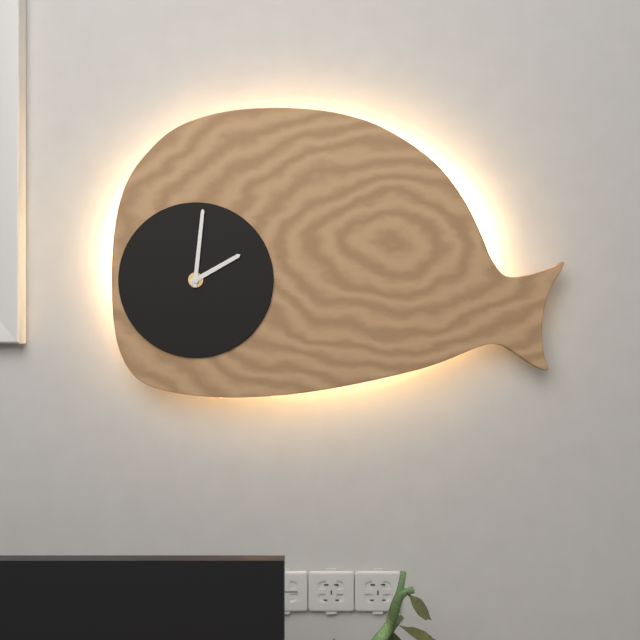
2:01
